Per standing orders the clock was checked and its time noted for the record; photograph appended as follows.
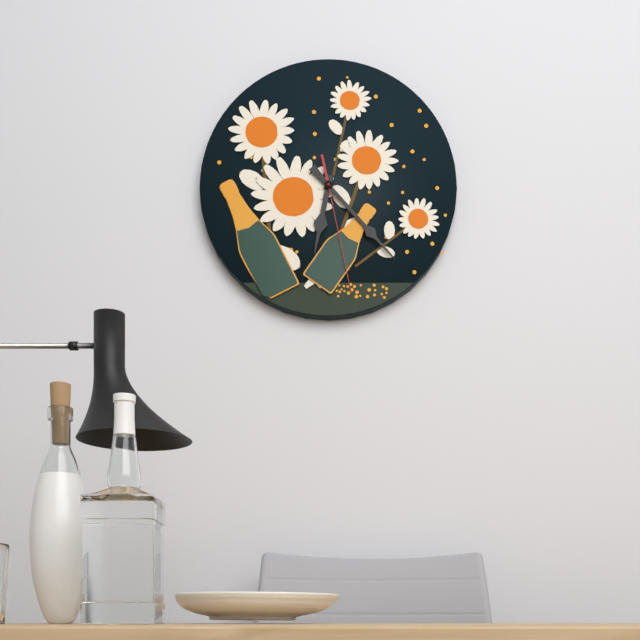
6:23:28
